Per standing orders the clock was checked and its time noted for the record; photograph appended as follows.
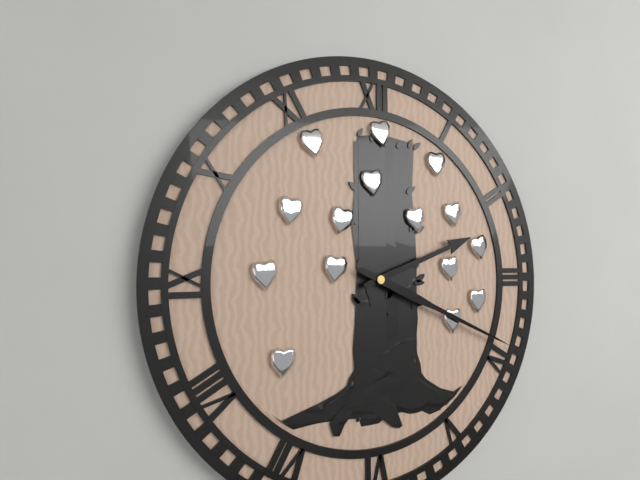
2:19
